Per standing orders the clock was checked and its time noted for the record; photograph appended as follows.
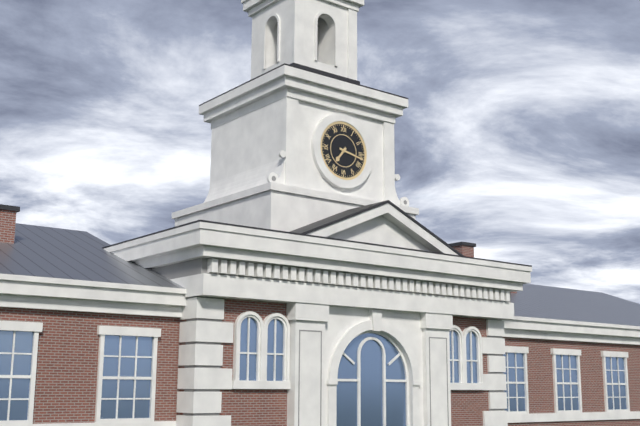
7:17
